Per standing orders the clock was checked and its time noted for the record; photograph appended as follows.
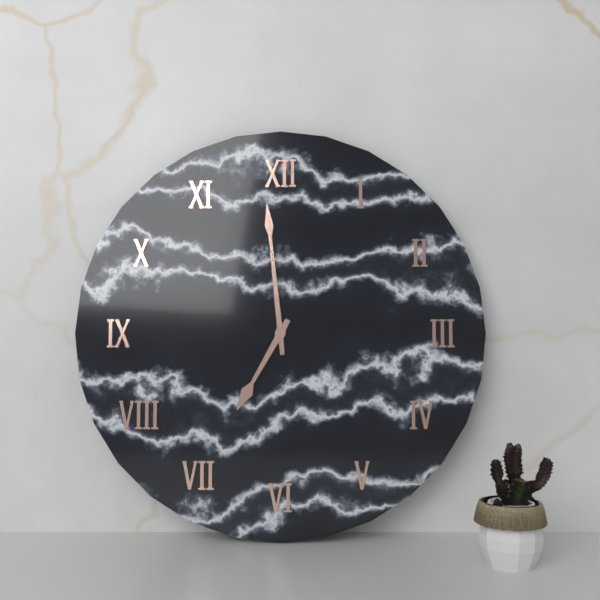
6:59
